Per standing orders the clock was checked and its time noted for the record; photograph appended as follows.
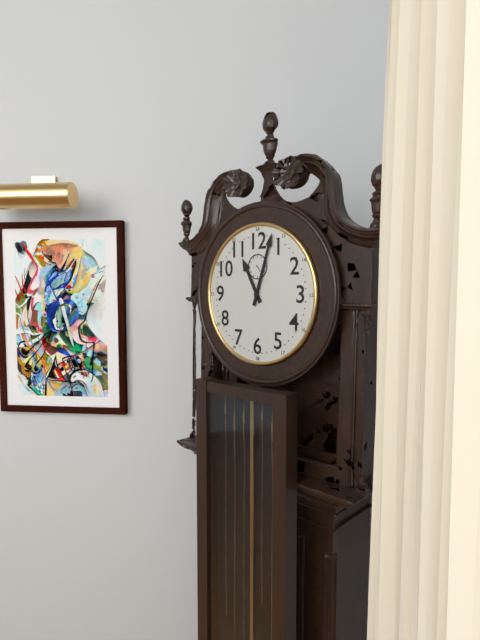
11:03
